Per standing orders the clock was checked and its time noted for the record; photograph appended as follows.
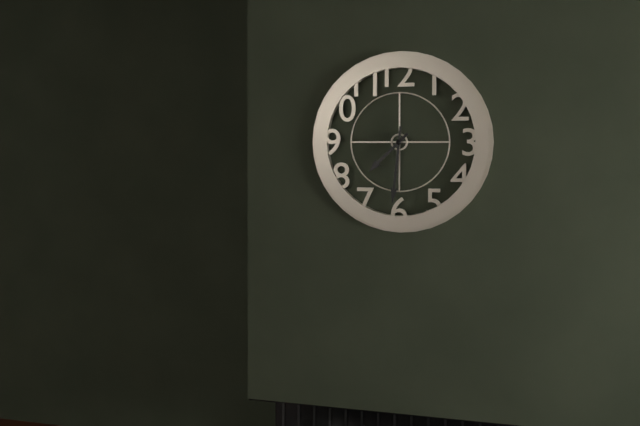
7:31
